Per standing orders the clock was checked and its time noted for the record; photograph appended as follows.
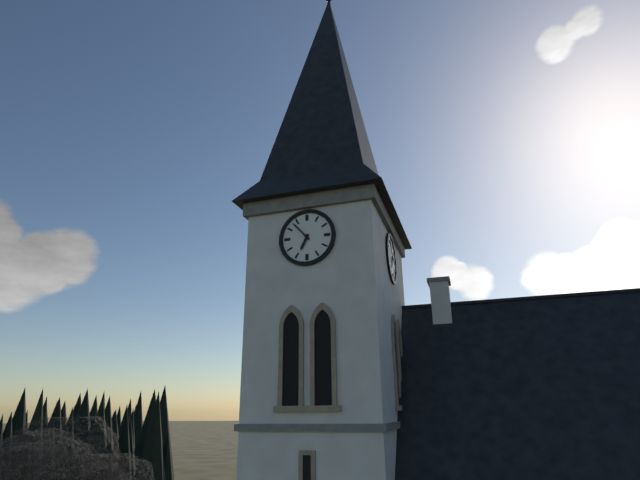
6:53
